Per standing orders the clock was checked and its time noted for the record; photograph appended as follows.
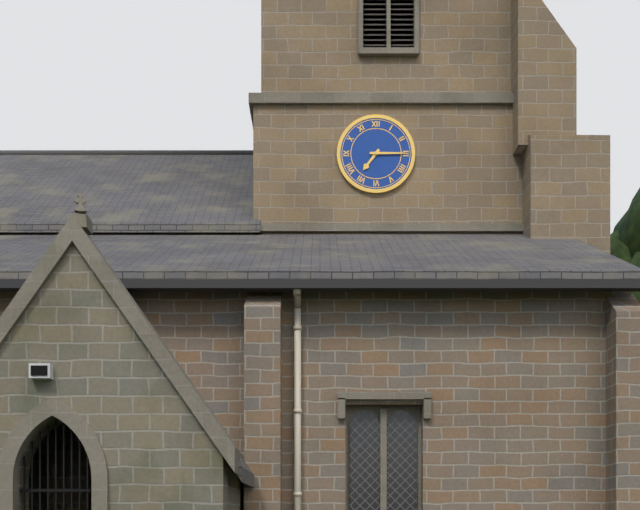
7:15
